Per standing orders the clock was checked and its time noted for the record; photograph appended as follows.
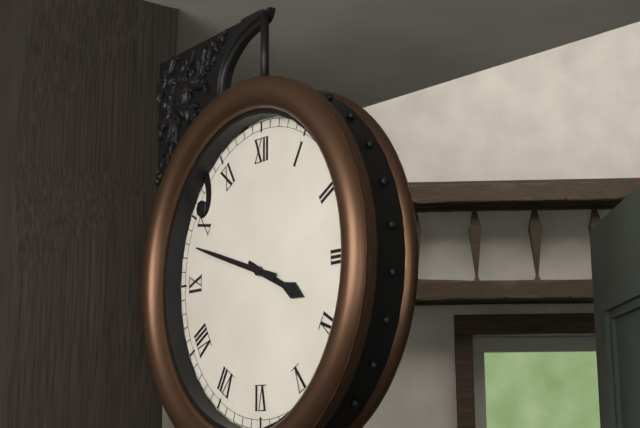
3:48
